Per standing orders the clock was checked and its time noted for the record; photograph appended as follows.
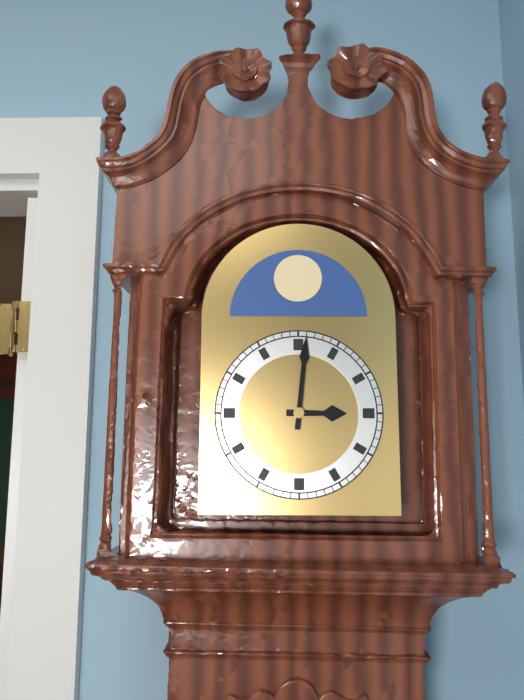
3:01
